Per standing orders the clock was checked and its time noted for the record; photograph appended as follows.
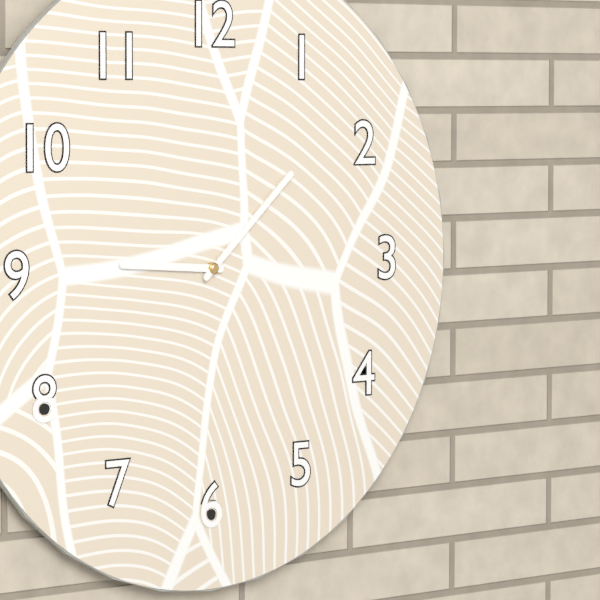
9:08
